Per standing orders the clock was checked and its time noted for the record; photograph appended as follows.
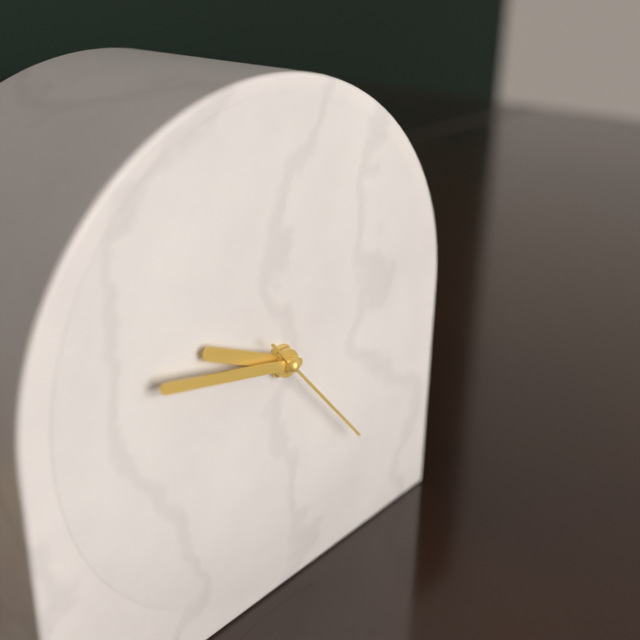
9:47:23
